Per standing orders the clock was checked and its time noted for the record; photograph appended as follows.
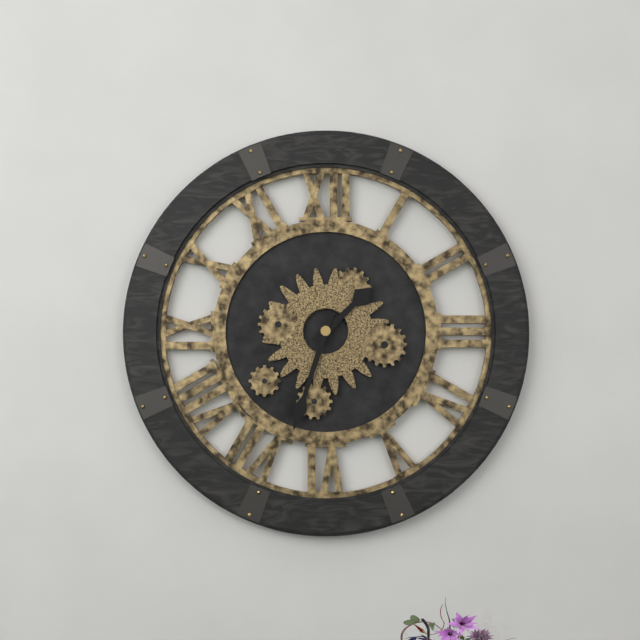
1:33
